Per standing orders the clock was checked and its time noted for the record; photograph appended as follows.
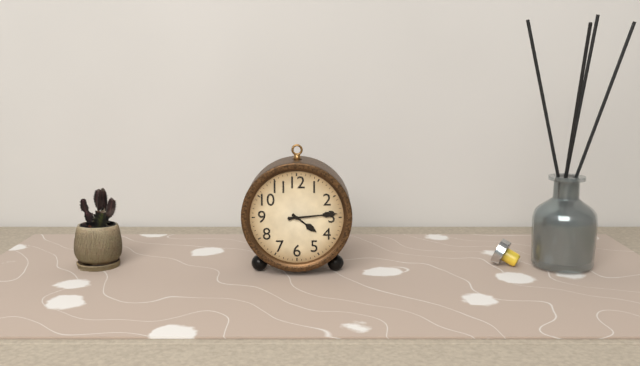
4:14
